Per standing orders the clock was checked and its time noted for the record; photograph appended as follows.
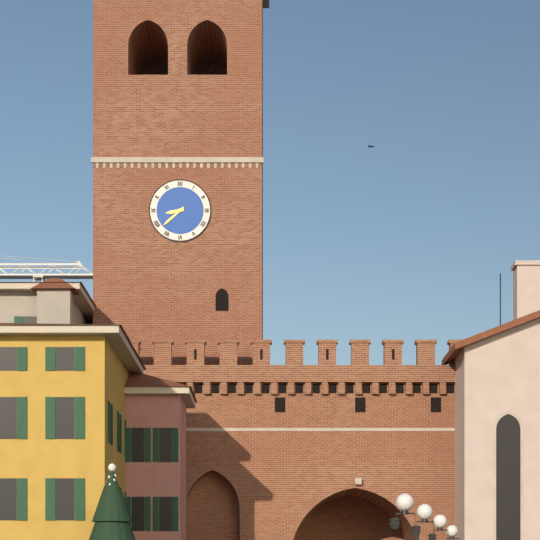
8:38
